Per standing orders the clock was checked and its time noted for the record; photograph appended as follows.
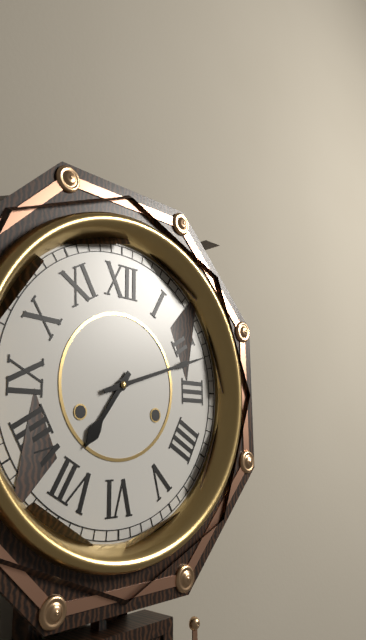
7:12
